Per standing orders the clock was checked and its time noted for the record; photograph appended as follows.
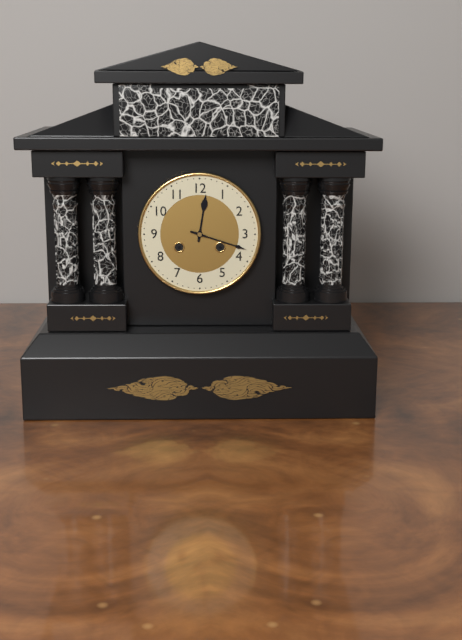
12:18
